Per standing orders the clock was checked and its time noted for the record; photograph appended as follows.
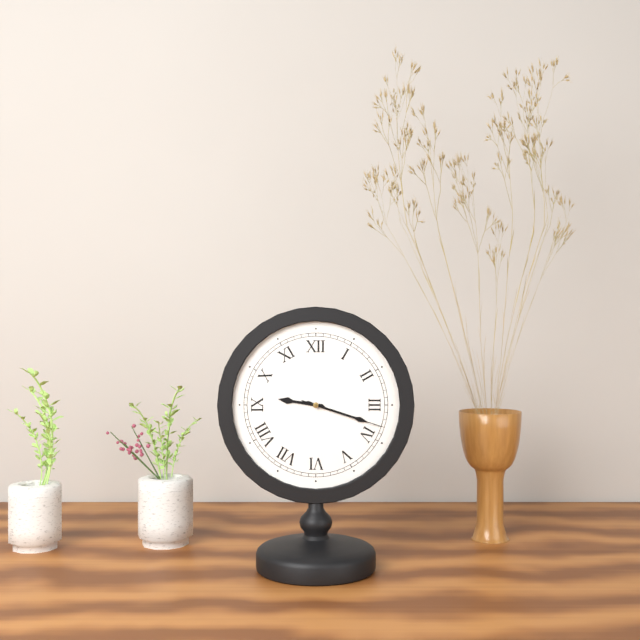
9:18:18
